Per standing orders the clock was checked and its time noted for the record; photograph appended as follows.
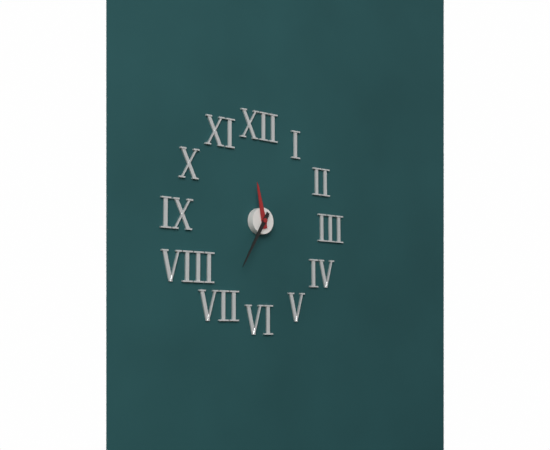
11:35
